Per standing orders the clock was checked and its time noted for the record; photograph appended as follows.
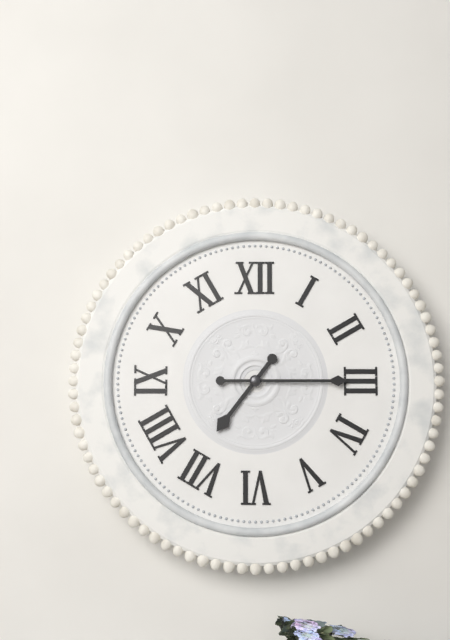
7:15
